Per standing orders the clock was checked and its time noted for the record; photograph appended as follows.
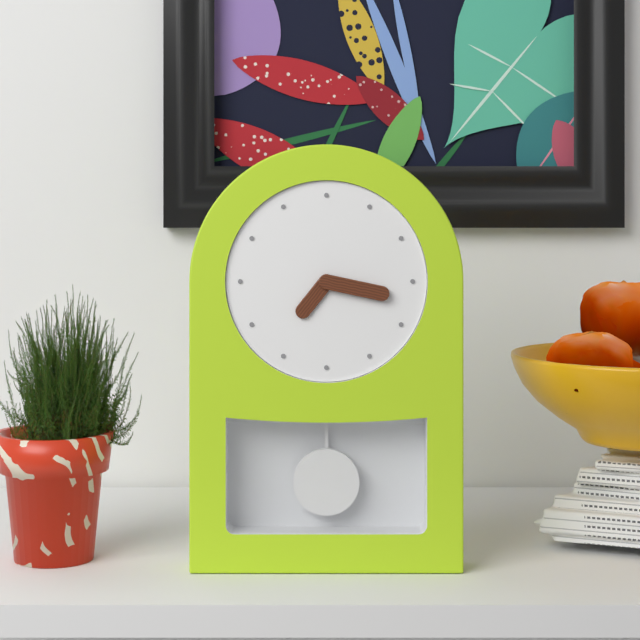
7:17
